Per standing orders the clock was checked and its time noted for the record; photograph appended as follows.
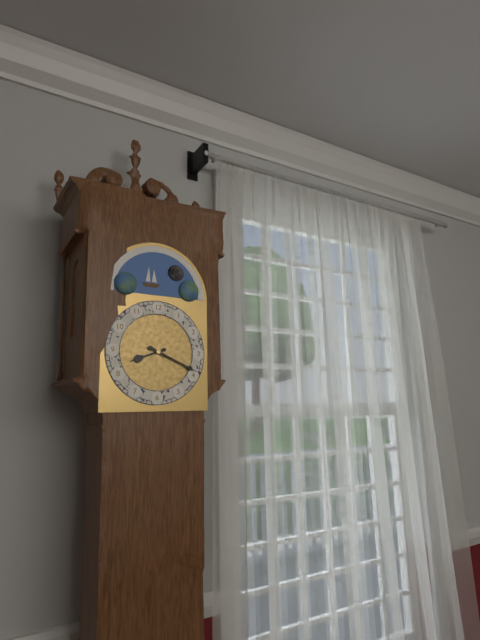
8:19
